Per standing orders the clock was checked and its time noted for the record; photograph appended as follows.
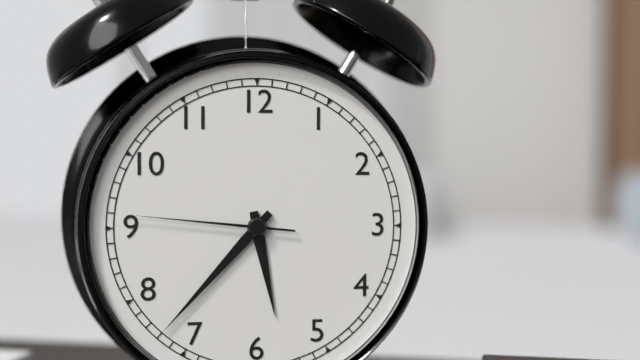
5:37:46
